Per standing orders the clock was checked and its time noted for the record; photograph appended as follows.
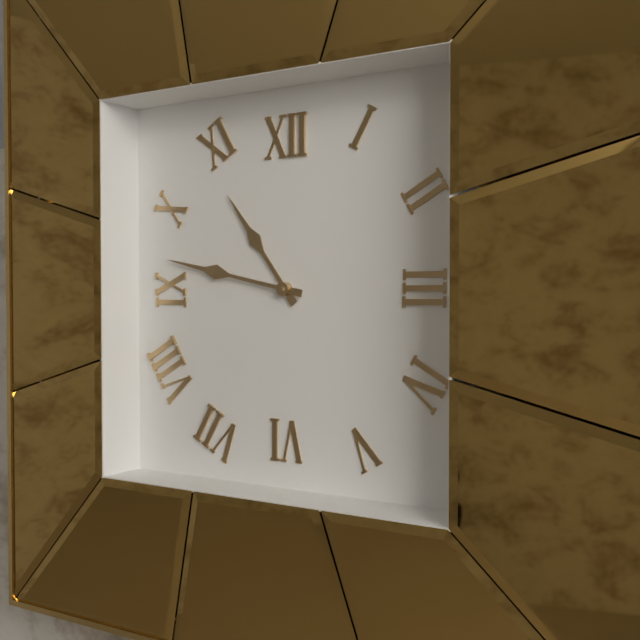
10:47
